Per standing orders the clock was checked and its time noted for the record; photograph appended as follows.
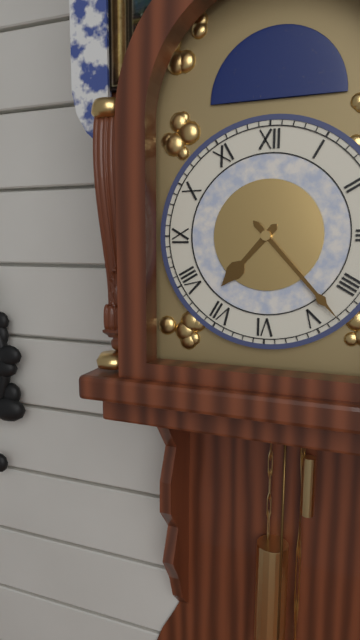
7:23
